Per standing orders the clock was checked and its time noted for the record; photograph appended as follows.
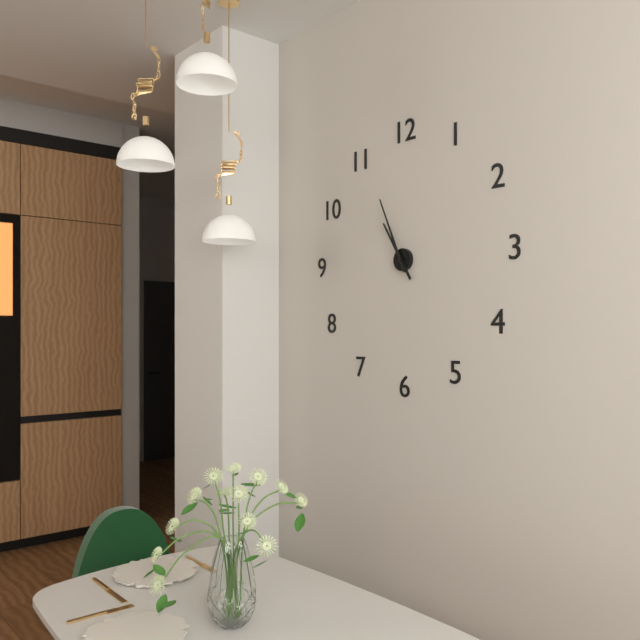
10:56
